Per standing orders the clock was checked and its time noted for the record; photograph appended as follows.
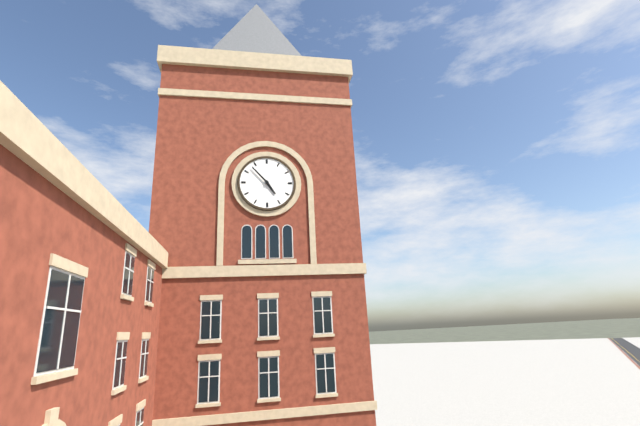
4:53
